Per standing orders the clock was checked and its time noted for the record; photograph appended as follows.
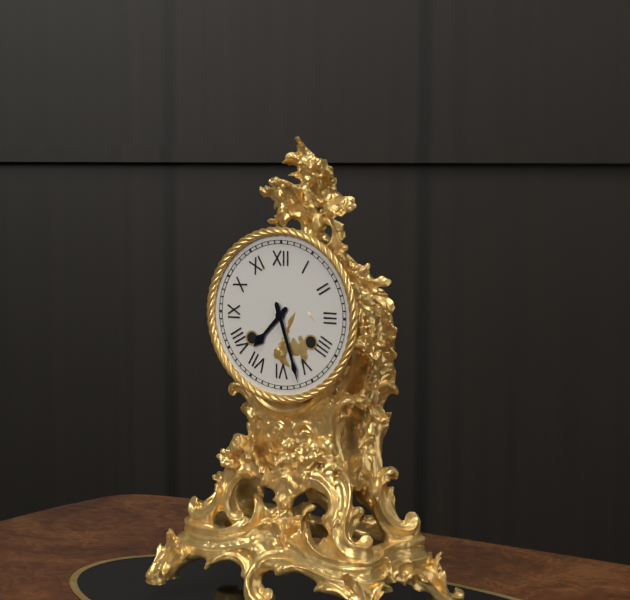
7:27
